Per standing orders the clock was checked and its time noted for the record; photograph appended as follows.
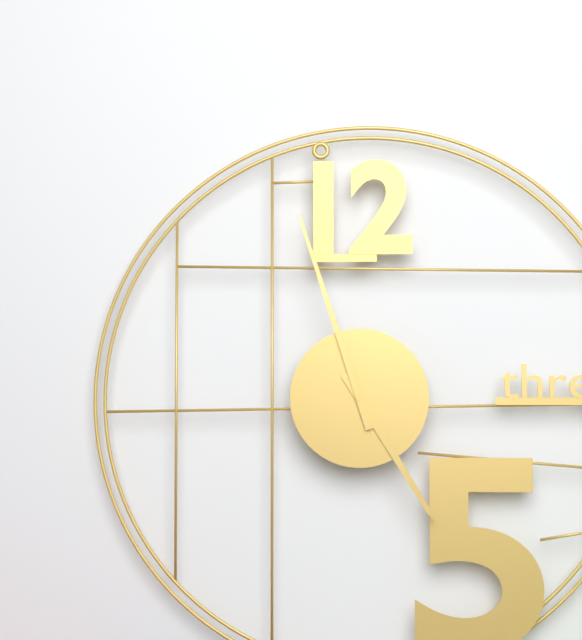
4:57
